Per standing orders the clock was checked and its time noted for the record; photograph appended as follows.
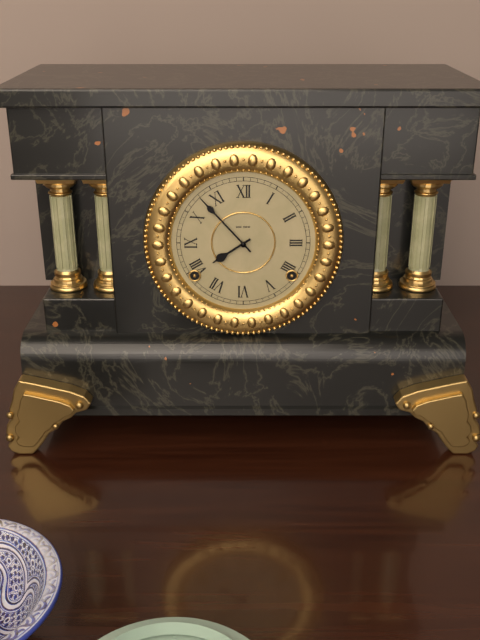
7:53
